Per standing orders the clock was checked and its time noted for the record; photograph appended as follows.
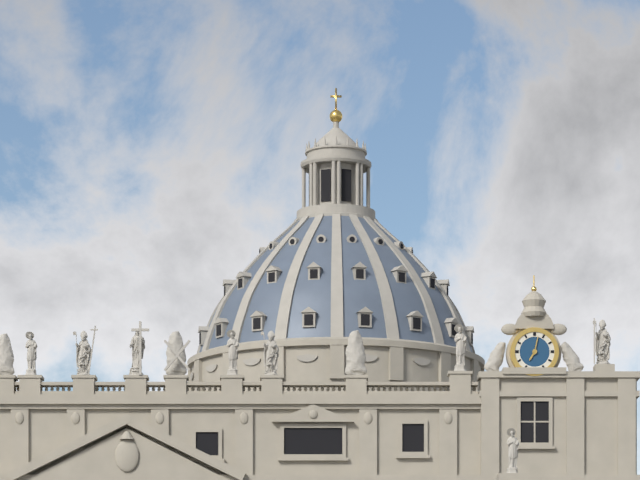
7:02
